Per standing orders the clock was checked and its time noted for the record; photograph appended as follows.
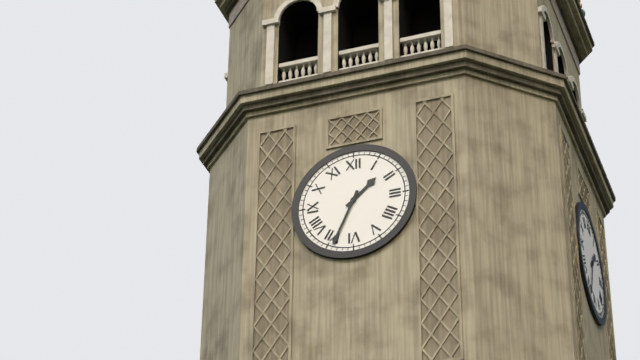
1:34
